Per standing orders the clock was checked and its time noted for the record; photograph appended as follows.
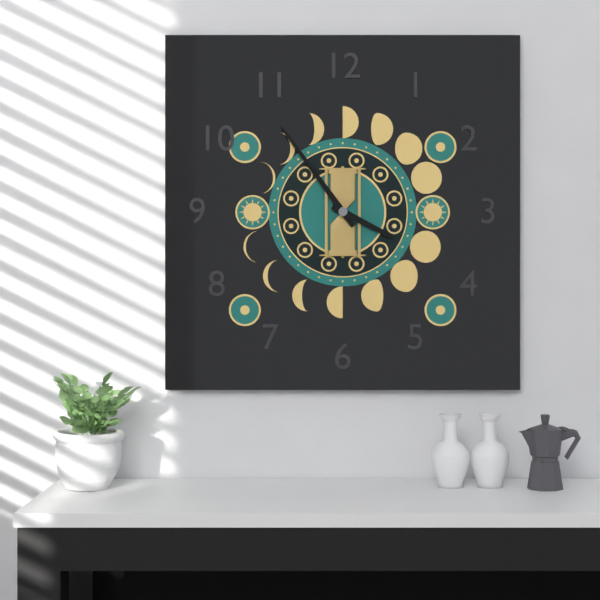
3:54
